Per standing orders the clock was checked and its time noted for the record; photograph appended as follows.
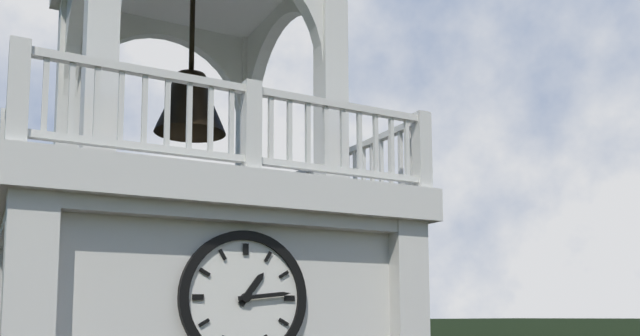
1:14
